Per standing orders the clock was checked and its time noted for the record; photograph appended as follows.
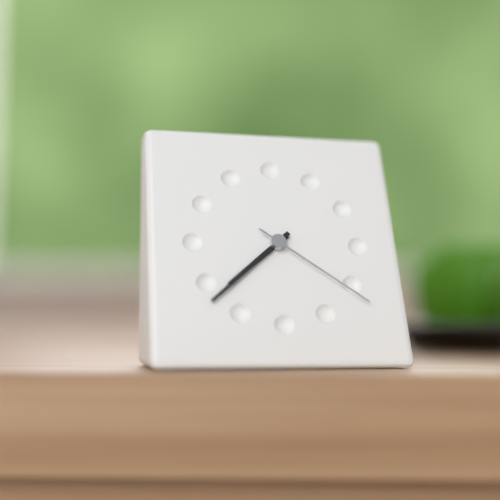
7:38:21
